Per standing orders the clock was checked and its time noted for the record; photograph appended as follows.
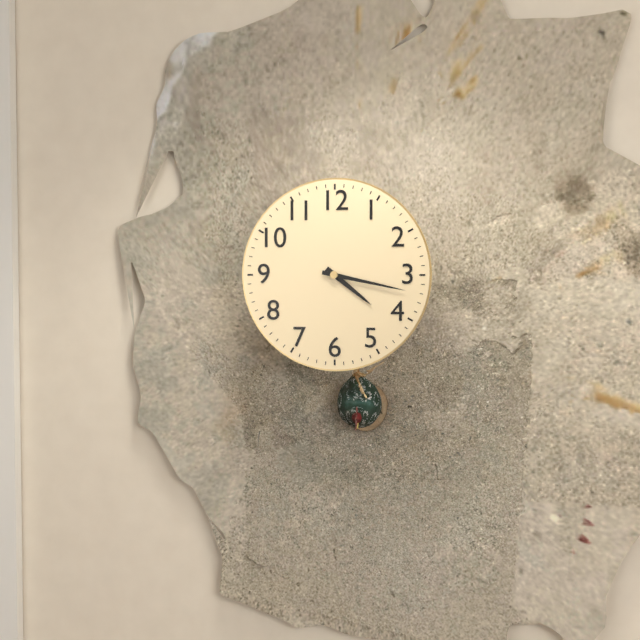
4:17
